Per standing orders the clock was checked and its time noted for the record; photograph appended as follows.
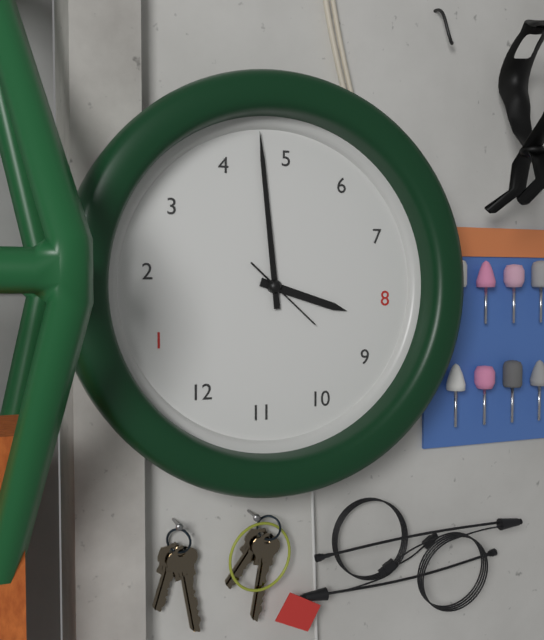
8:23:46
